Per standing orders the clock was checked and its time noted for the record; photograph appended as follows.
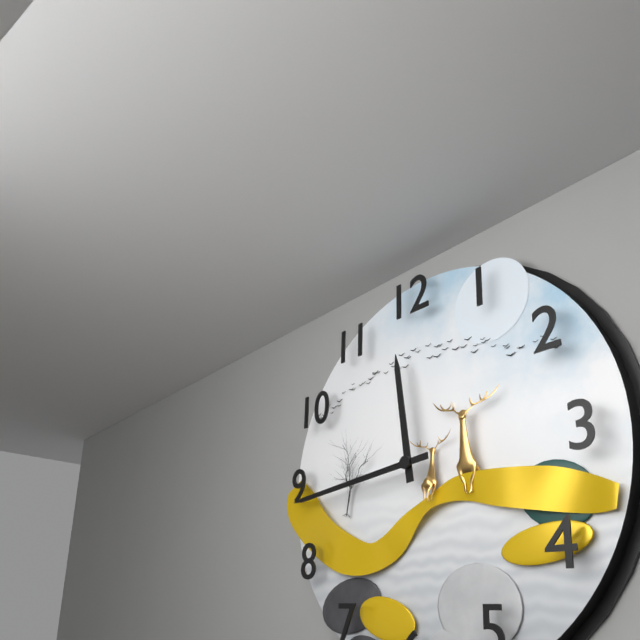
11:44
